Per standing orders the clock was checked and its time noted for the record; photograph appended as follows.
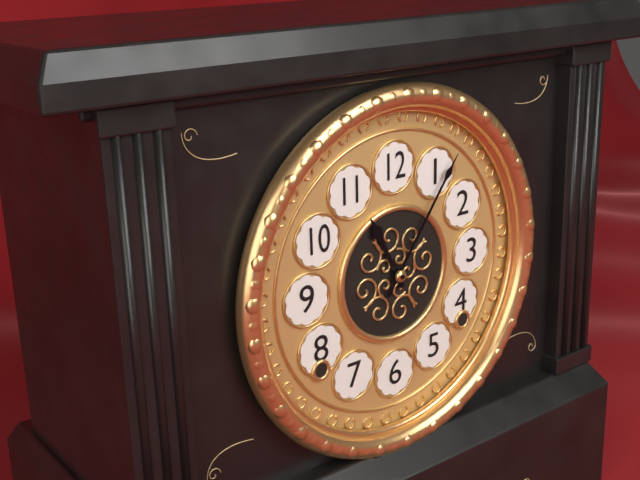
11:06
